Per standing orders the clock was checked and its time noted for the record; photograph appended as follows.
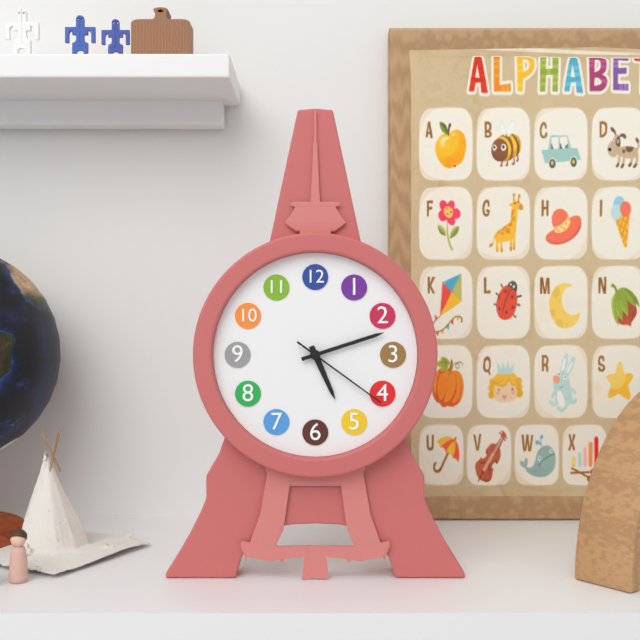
5:12:21
